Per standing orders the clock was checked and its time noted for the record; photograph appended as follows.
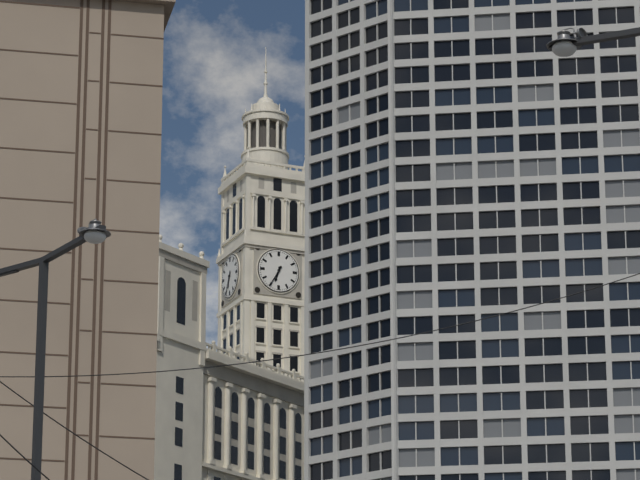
6:35
